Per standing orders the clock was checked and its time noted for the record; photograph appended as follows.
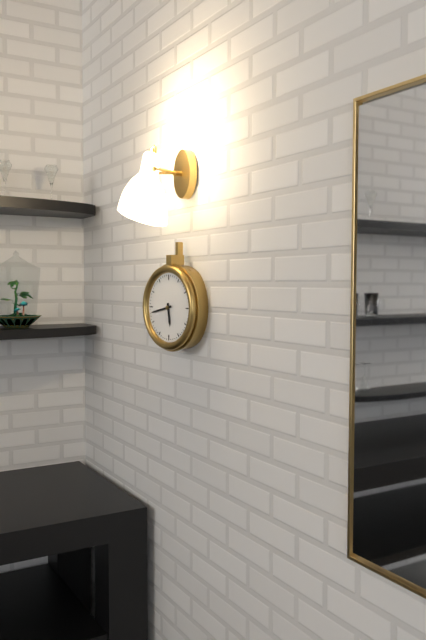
5:43
